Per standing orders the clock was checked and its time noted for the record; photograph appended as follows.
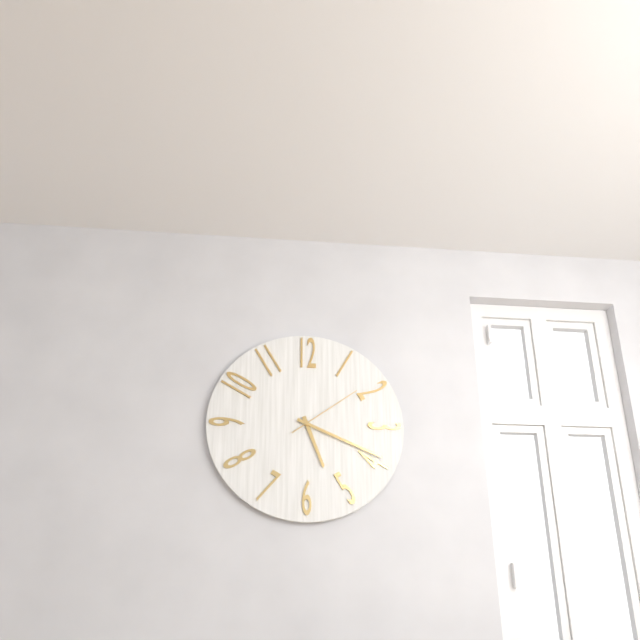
5:19:09
